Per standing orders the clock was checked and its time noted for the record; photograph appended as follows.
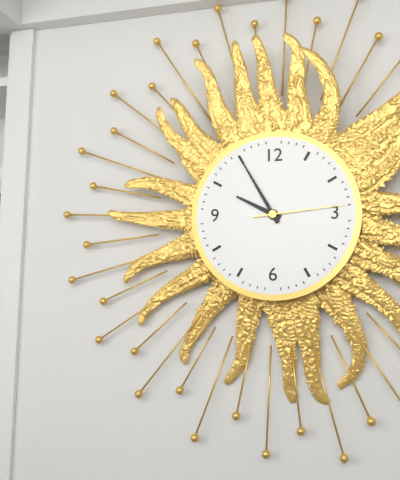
9:55:14
